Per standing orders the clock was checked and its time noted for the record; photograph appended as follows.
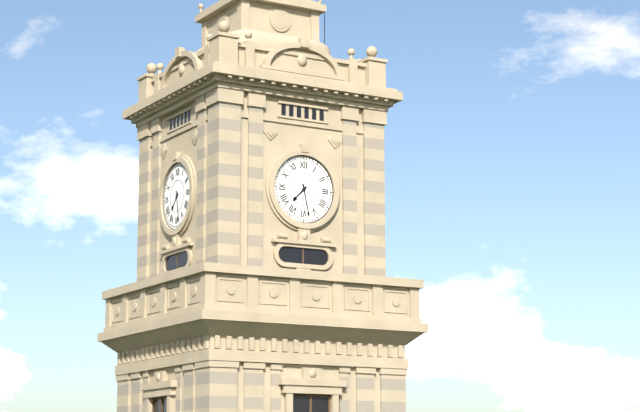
7:28
